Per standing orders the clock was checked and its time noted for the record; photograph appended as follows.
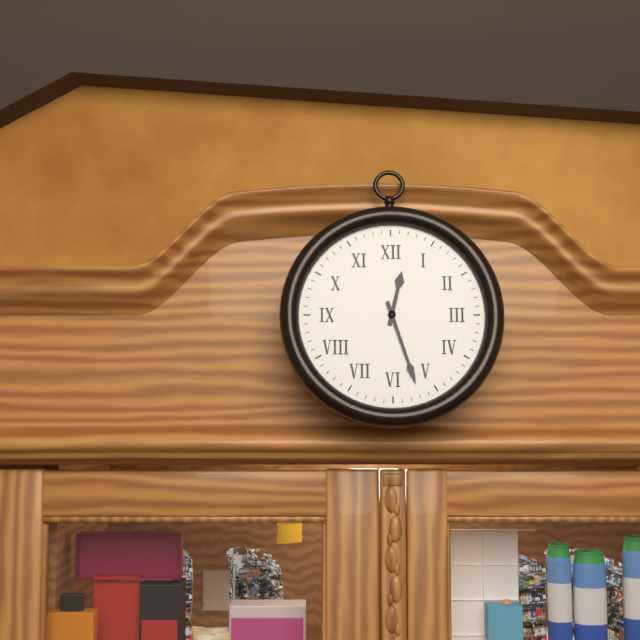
12:27
